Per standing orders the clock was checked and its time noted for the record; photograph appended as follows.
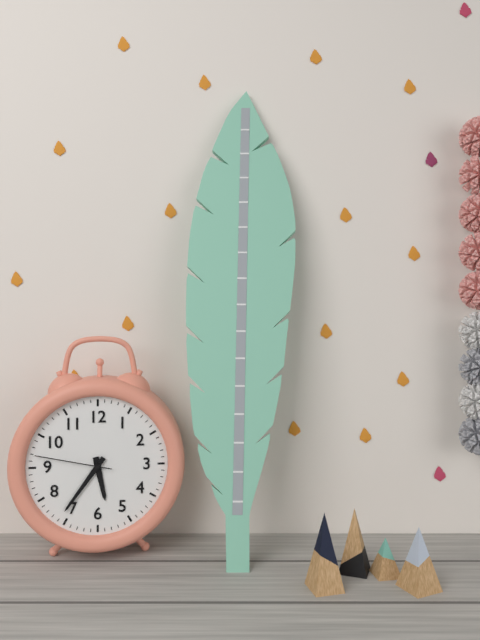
5:36:47
